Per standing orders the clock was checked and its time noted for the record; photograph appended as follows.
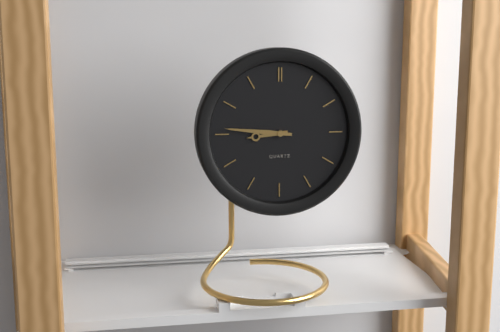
8:46
